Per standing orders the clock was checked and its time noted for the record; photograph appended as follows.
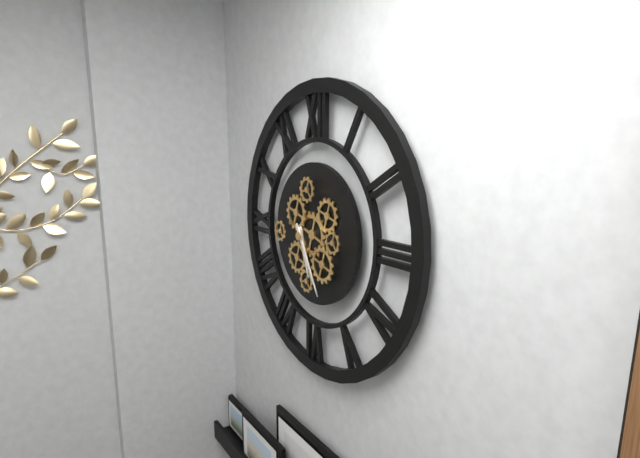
5:25
